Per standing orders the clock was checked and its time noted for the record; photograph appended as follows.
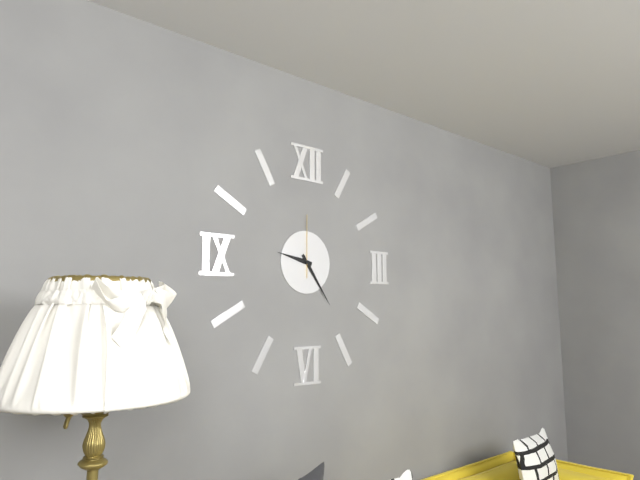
9:24:00
